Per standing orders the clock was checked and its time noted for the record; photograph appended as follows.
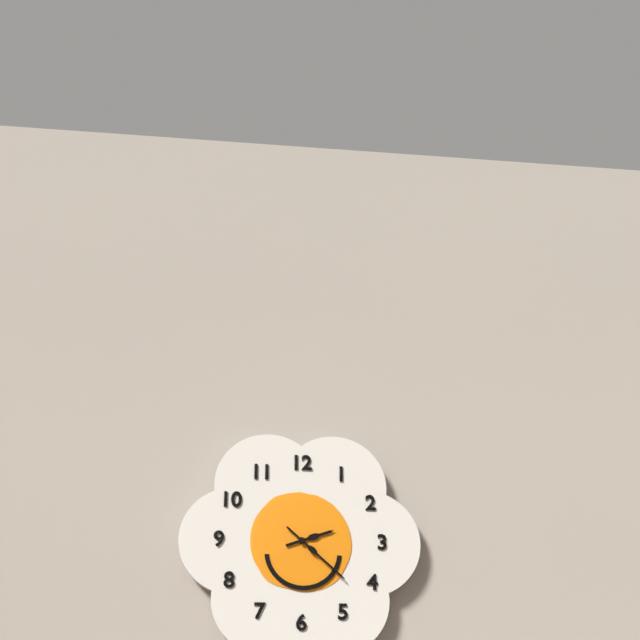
2:22
